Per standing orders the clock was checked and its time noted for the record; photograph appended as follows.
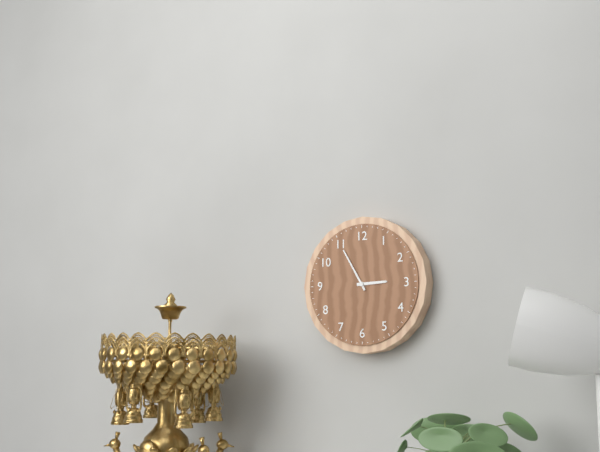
2:55
